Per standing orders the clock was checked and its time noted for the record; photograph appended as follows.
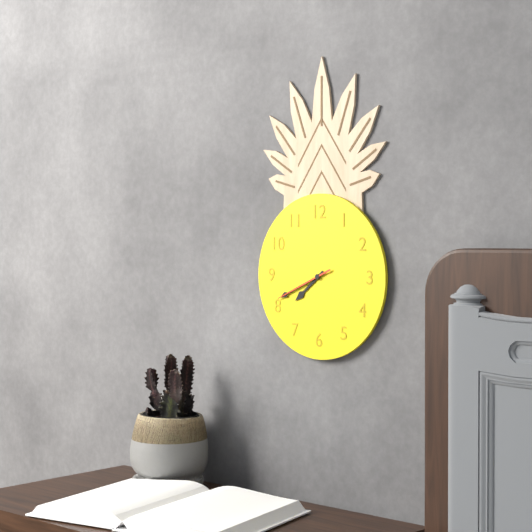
7:41:41
